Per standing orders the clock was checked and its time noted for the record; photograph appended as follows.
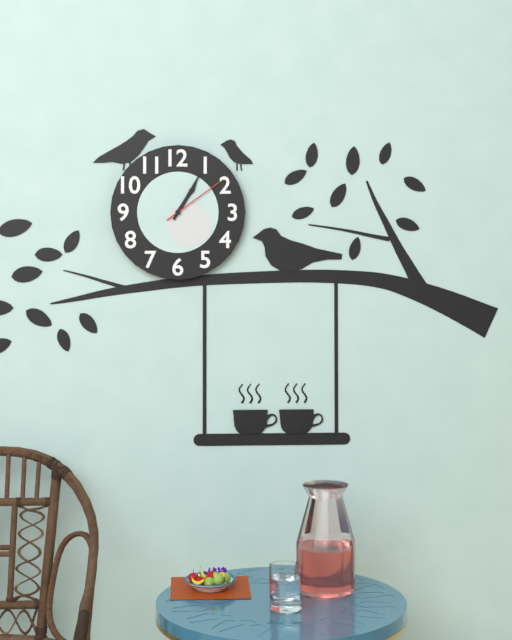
1:05:09
